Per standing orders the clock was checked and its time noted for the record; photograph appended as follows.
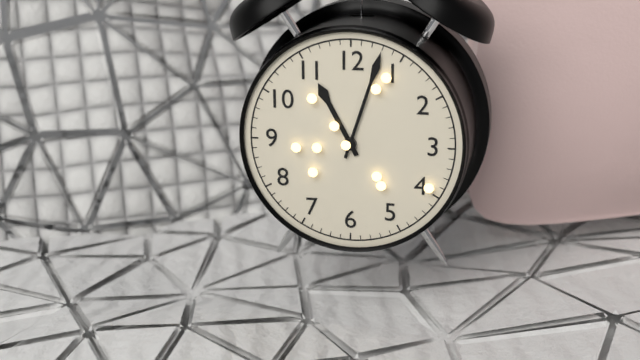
11:03
